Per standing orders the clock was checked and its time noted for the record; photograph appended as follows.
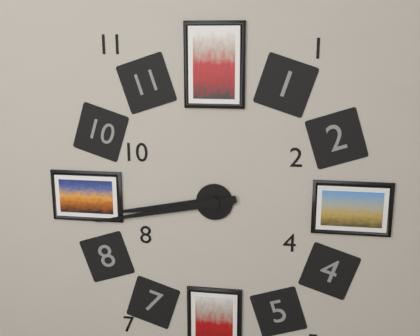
8:43
